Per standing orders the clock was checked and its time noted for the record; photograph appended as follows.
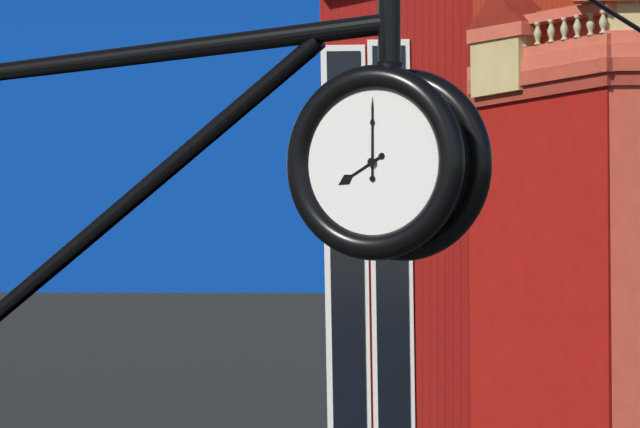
8:00
